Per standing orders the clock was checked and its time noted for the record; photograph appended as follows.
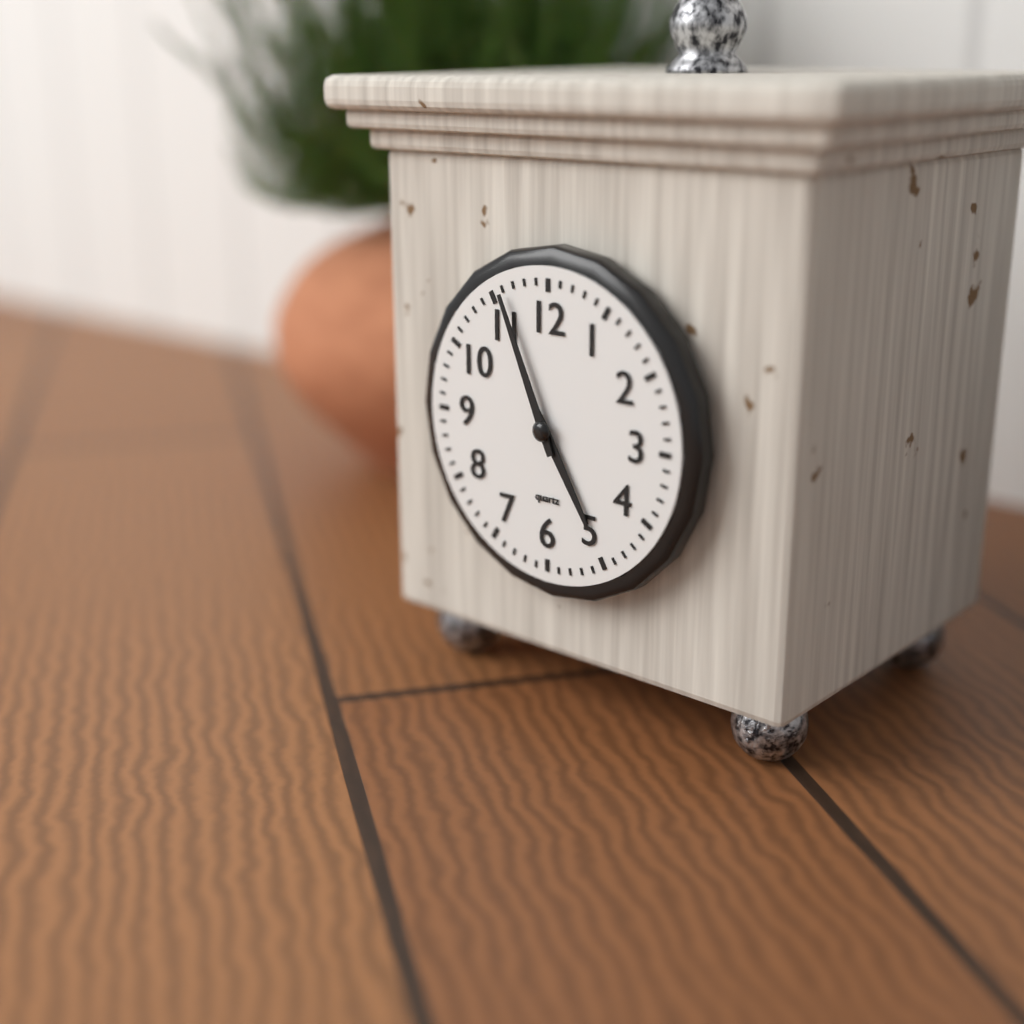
4:56
